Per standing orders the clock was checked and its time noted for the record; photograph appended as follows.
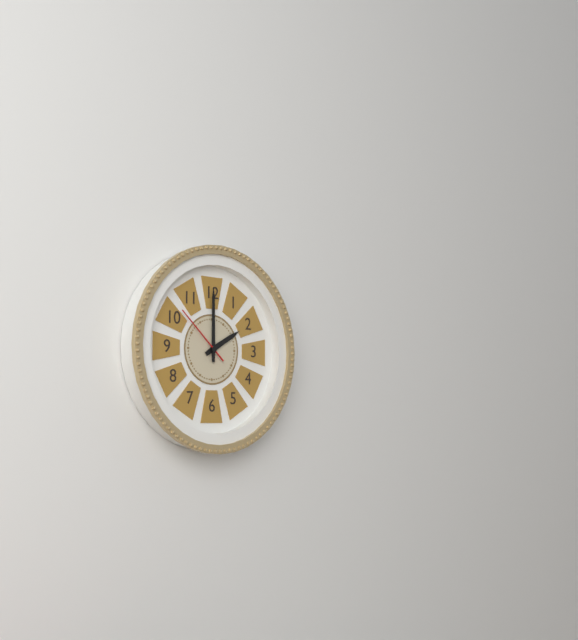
2:00:52
